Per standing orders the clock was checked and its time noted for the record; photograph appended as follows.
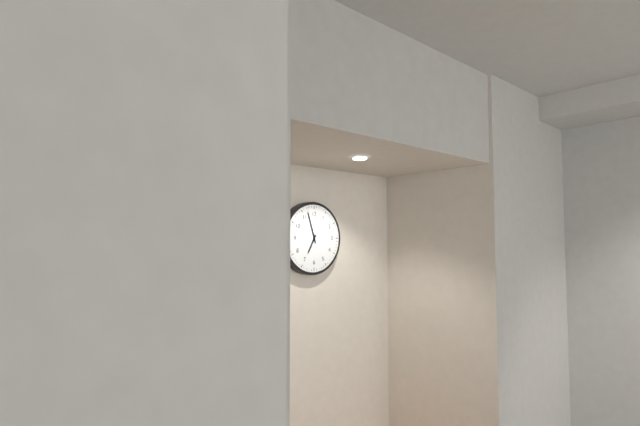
6:57
